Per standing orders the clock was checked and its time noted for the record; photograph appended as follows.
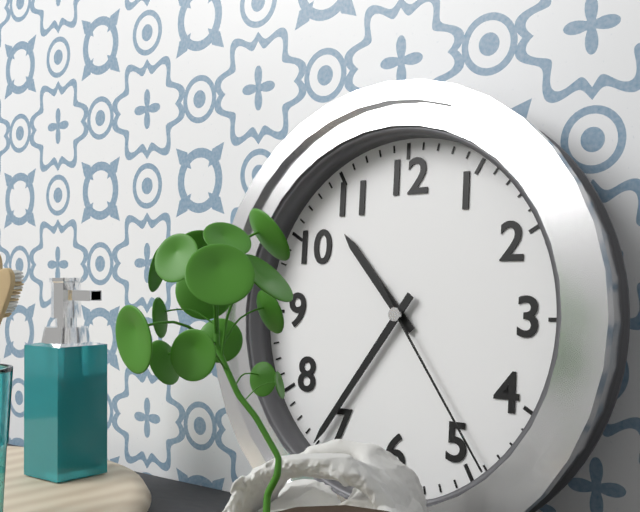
10:36:24
